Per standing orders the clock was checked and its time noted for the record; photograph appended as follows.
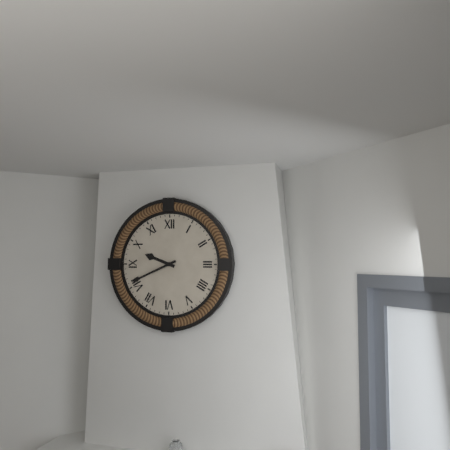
9:41
